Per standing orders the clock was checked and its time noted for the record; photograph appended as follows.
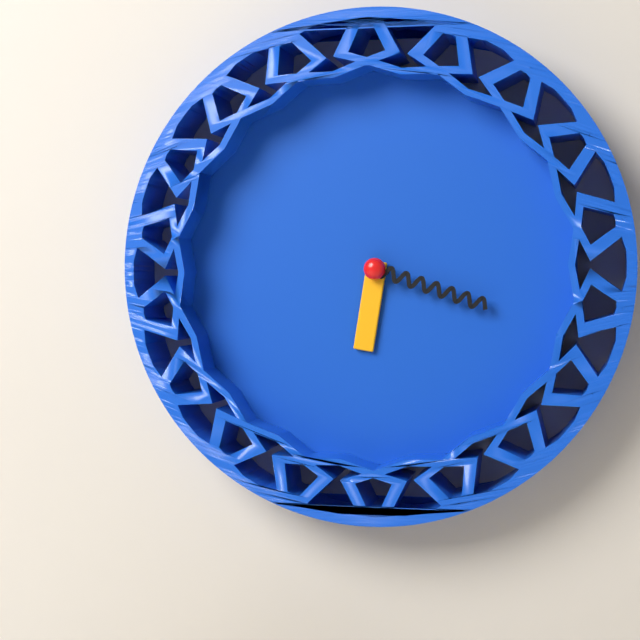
6:18
